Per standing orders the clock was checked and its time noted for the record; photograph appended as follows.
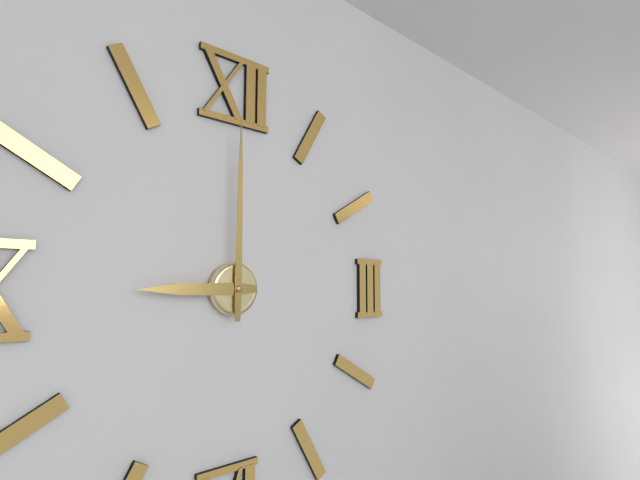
9:00
